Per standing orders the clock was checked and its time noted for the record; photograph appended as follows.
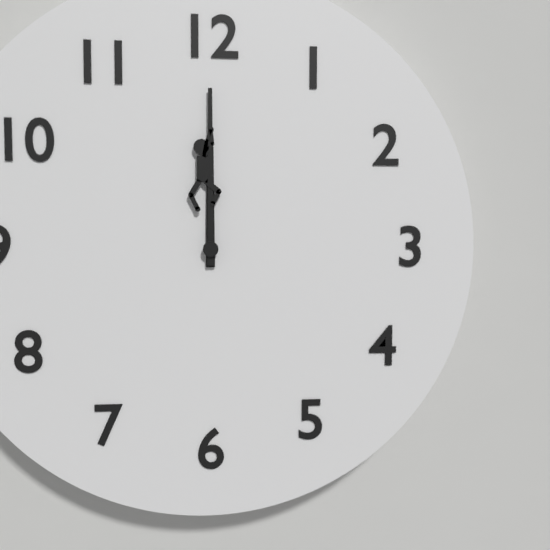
12:00
